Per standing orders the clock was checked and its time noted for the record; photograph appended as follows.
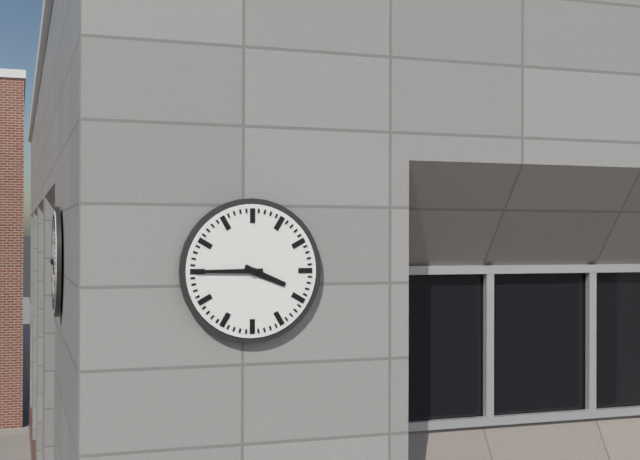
3:45
